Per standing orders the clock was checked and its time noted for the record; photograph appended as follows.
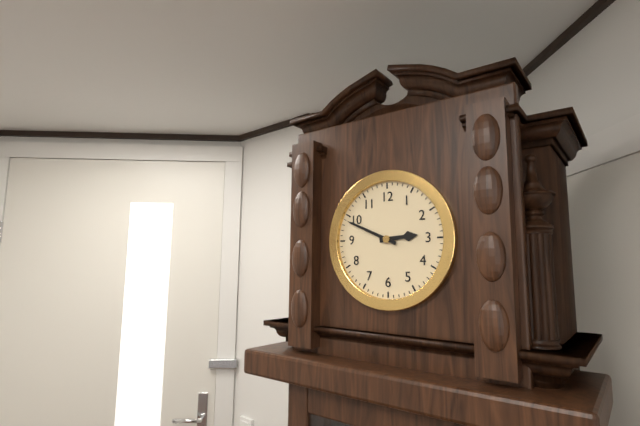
2:49
